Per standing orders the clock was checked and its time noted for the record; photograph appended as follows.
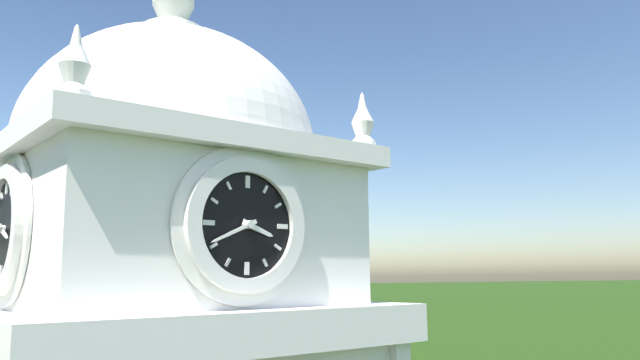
3:41
